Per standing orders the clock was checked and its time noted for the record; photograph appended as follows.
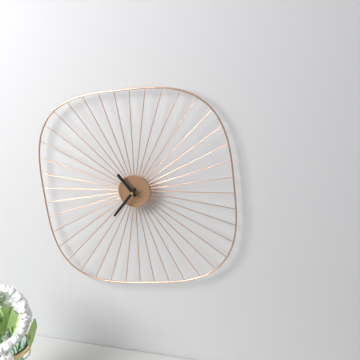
10:36
